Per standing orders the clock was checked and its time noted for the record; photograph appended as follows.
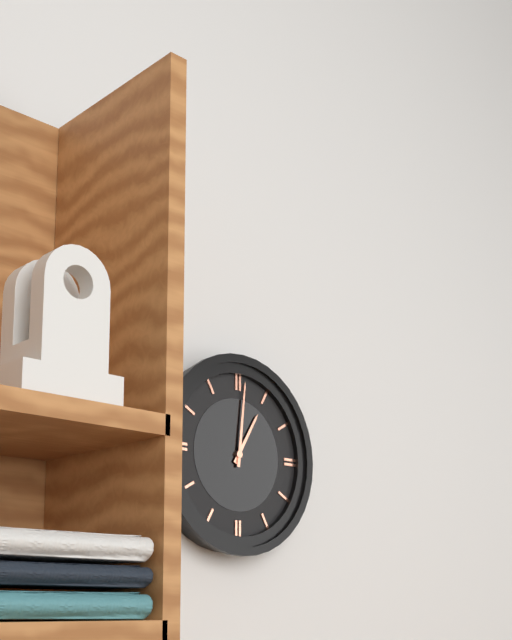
1:01
